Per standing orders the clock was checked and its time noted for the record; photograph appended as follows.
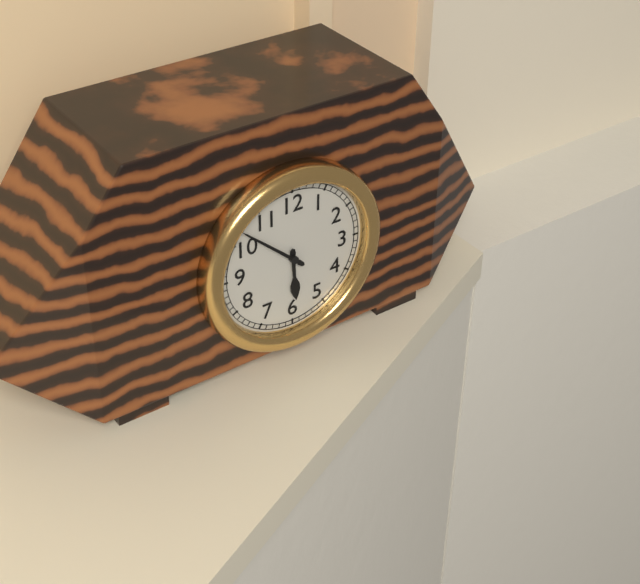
5:52
